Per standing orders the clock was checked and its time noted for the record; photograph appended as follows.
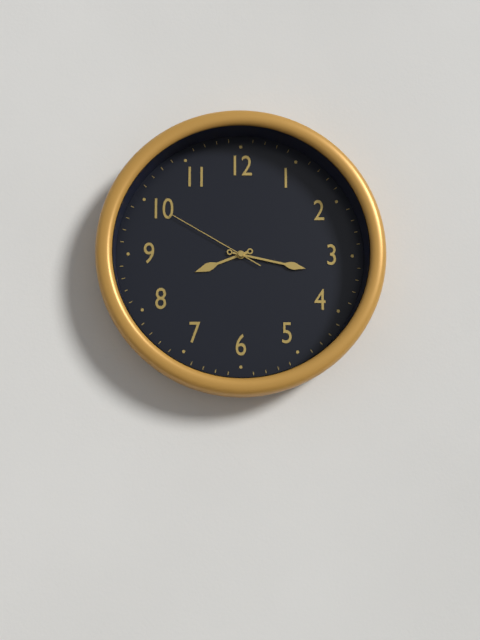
8:17:50
